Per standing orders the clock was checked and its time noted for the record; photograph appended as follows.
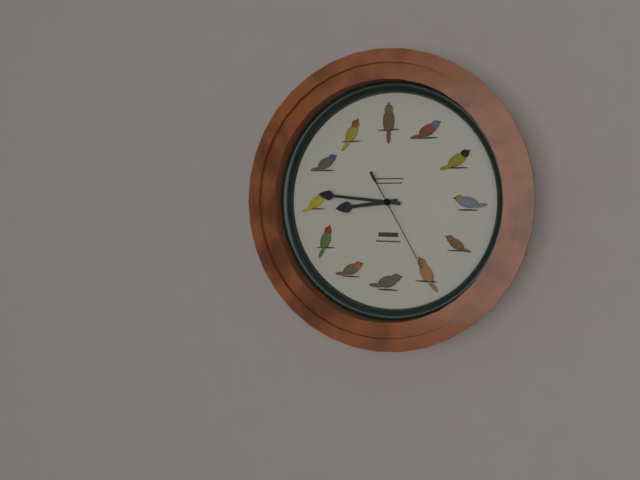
8:46:25
